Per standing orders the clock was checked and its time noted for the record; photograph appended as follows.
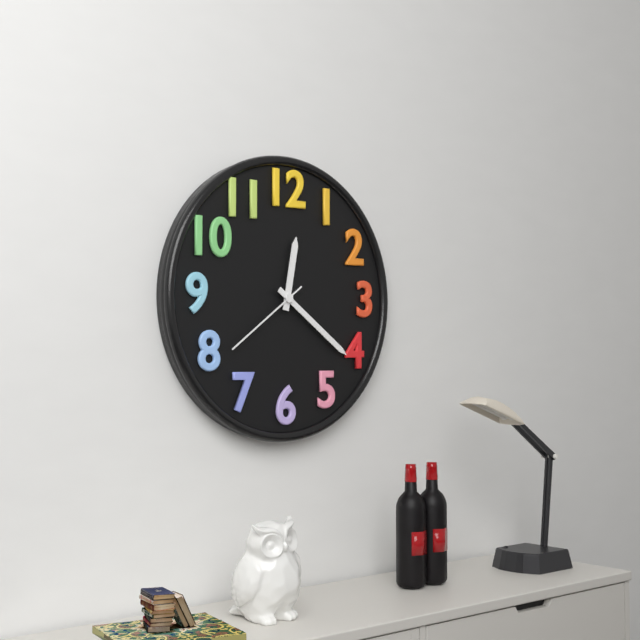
12:21:39
